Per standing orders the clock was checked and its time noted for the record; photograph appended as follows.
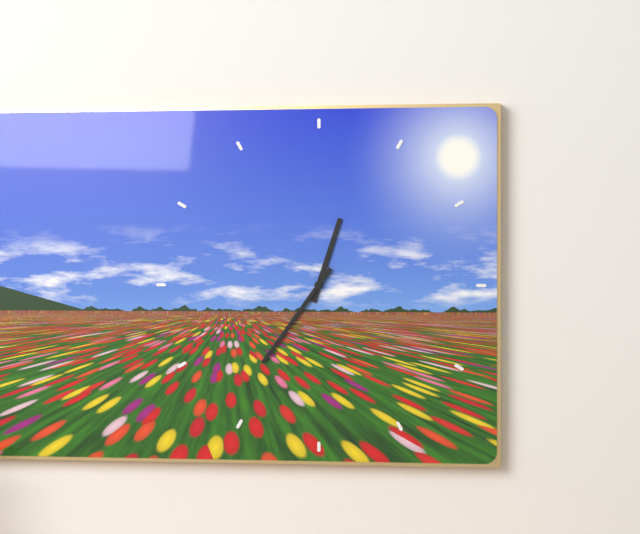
12:36
